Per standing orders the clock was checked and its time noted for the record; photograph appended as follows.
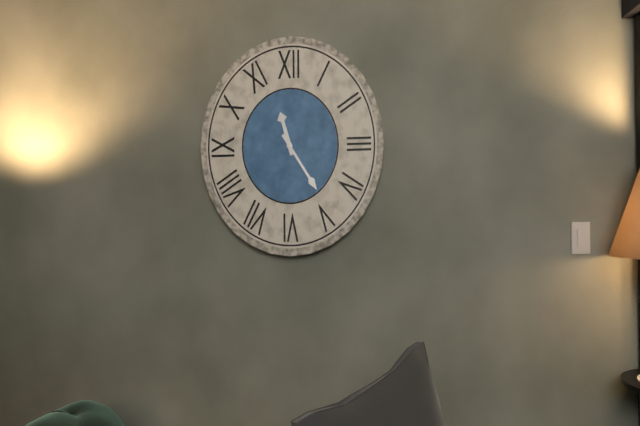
11:24
